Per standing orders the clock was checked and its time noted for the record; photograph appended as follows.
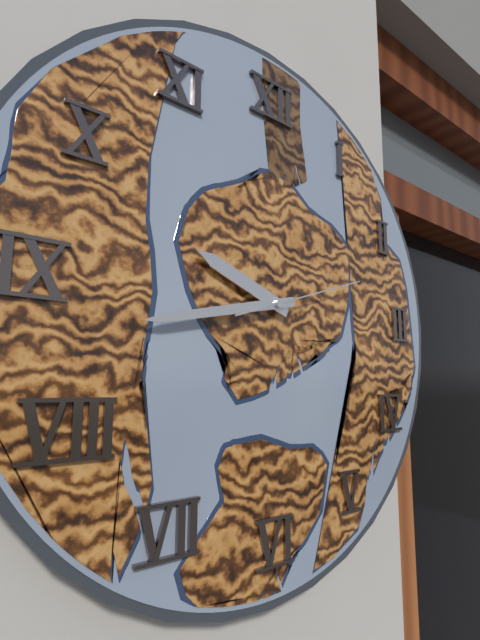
9:43:12
